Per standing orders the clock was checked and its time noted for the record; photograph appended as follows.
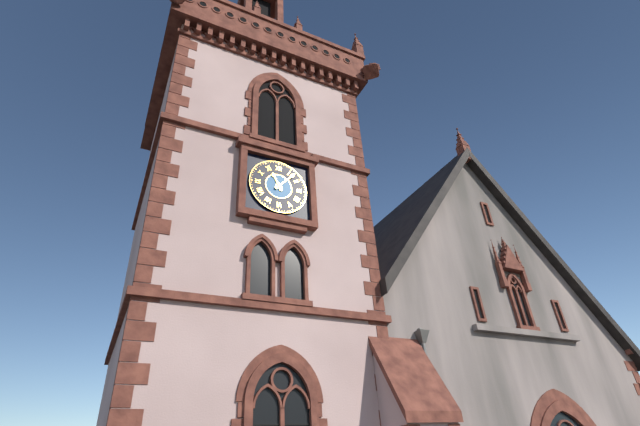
11:07
